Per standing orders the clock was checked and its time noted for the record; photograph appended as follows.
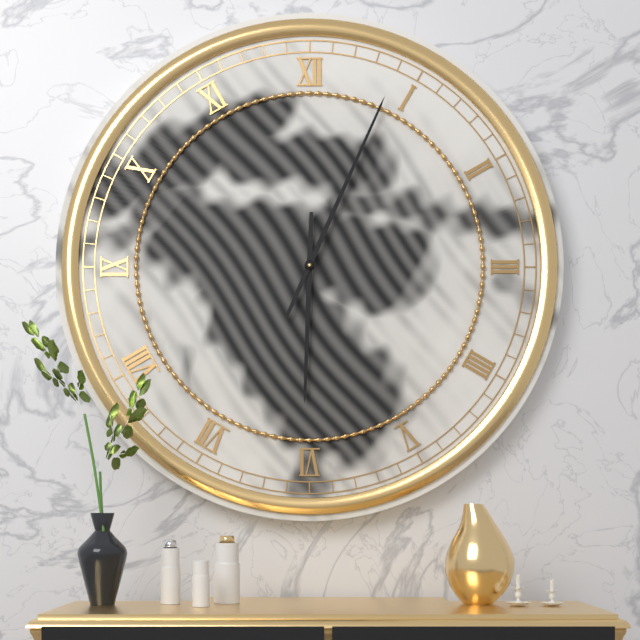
6:04
